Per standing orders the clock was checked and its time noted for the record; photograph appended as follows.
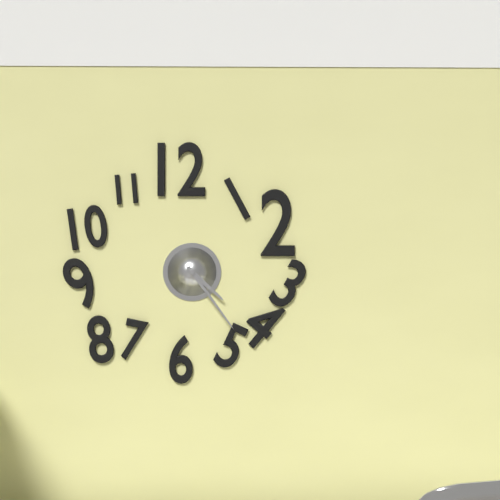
4:24
